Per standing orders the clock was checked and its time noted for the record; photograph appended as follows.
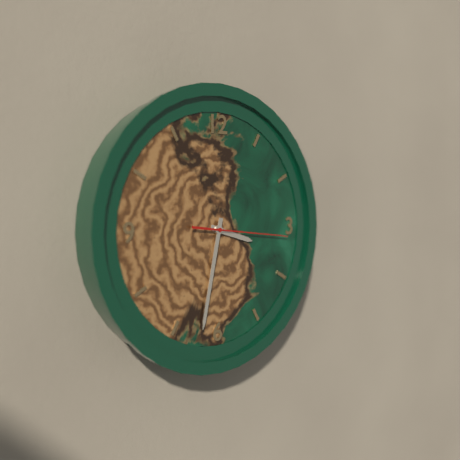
3:32:16
